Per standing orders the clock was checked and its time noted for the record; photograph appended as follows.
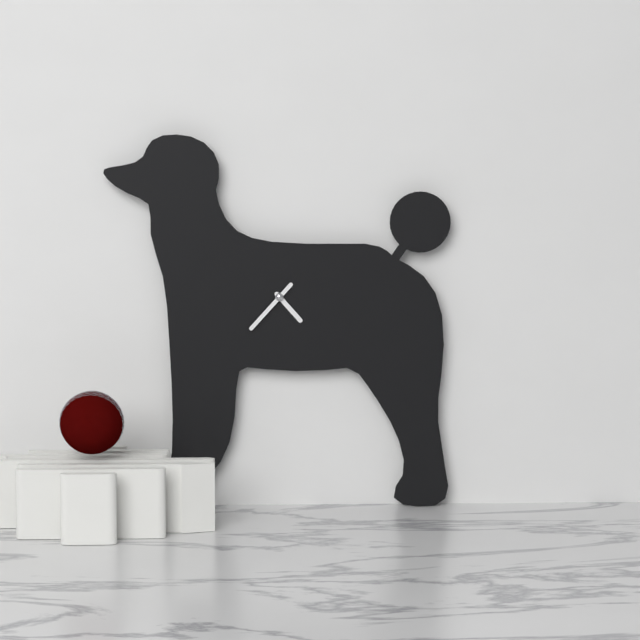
4:37
